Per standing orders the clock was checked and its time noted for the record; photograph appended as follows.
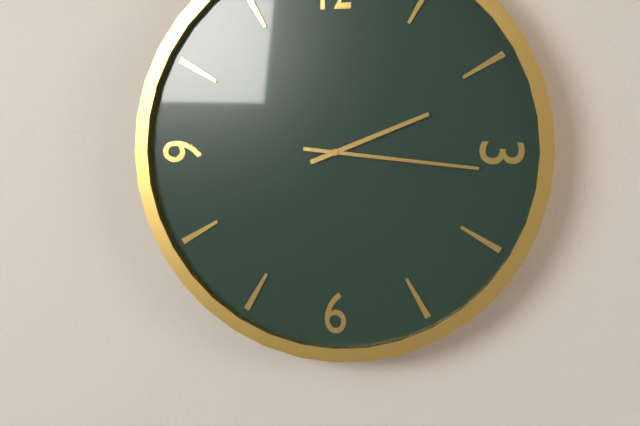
2:16
